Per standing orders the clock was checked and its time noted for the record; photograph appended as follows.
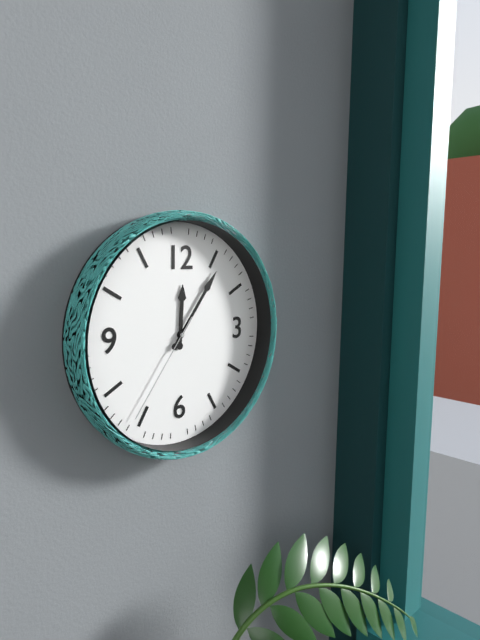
12:06:36
